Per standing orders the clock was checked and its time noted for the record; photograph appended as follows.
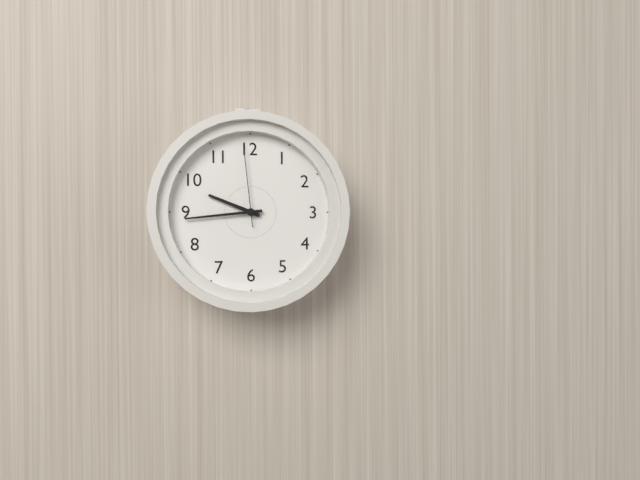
9:44:59
